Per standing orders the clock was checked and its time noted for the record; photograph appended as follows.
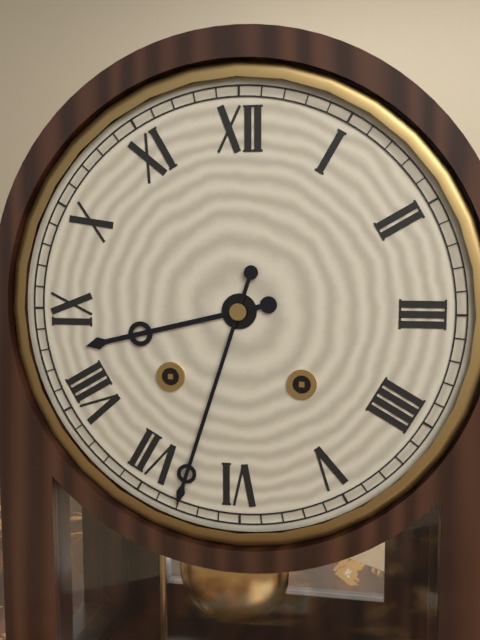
8:33
